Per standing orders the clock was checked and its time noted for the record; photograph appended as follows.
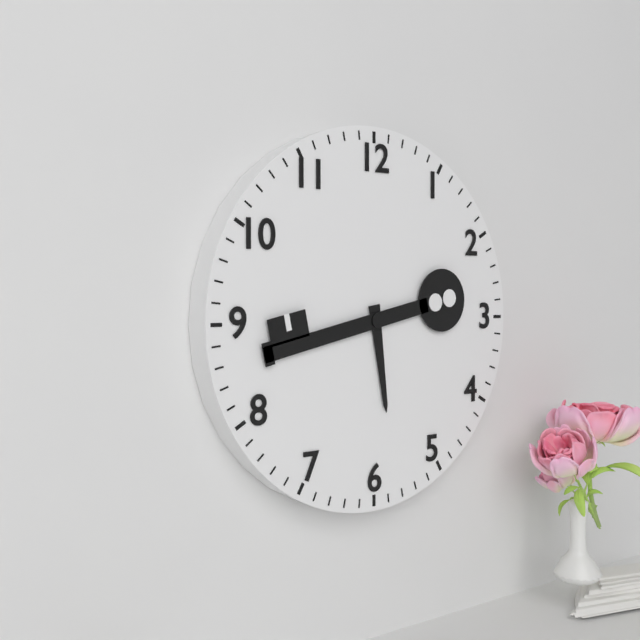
5:43
